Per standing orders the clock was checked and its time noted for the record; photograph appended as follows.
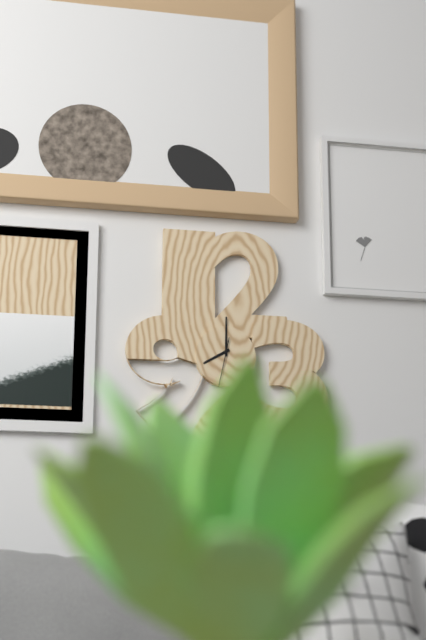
8:00
